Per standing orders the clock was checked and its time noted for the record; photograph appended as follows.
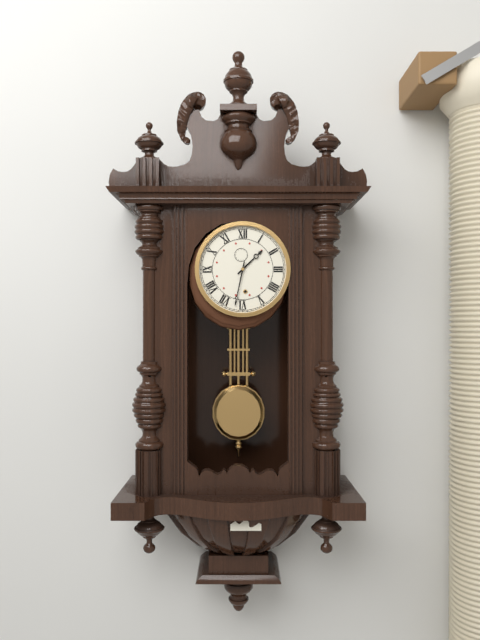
1:32
